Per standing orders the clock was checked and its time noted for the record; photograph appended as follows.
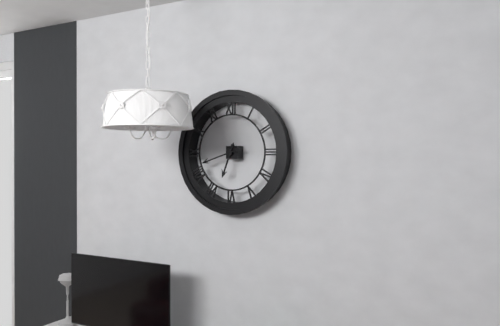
6:42
